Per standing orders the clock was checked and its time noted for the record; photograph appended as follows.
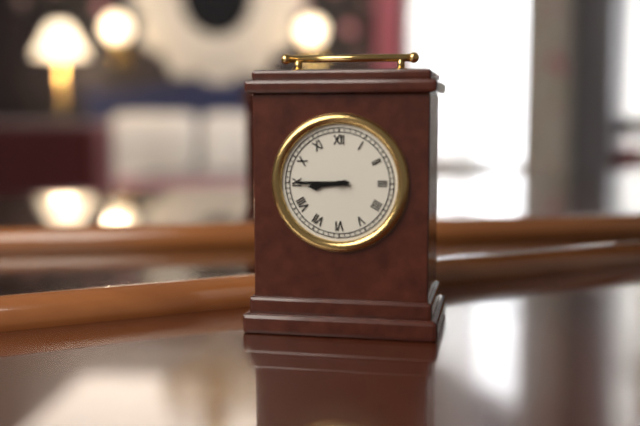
8:45
